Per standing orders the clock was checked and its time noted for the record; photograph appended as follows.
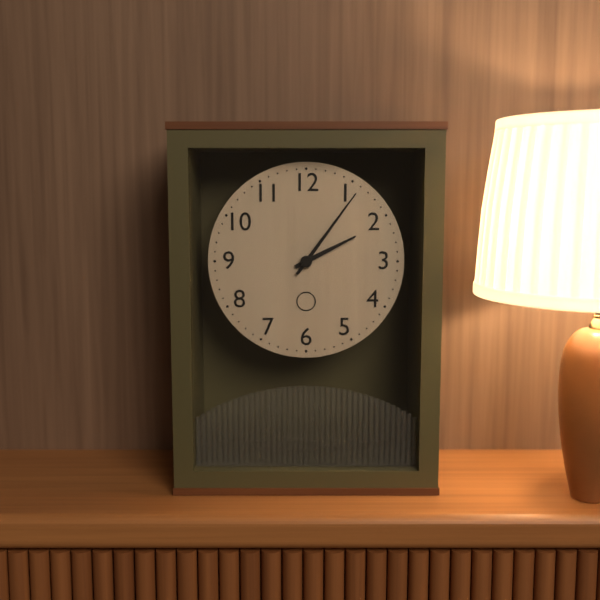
2:06
